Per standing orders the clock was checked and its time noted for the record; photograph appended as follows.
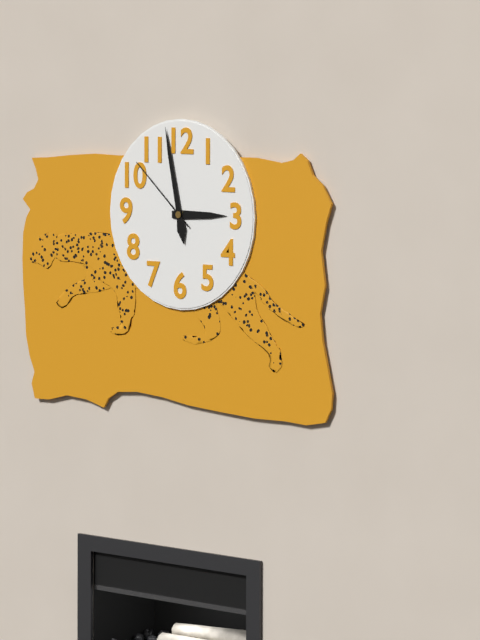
2:58:52
